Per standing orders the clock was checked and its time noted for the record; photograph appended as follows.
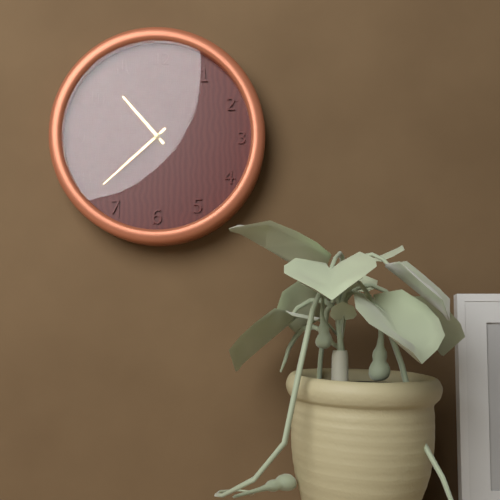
10:38
